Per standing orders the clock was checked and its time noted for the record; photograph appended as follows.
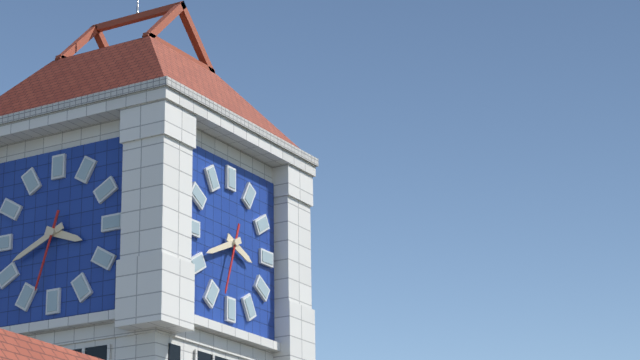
3:41:33
